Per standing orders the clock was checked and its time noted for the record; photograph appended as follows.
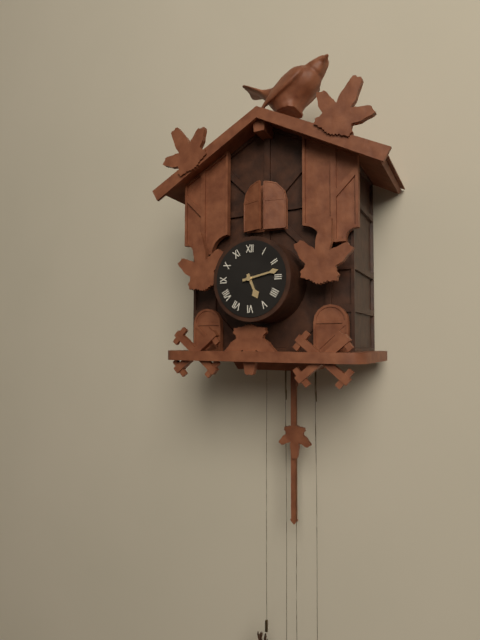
5:13
